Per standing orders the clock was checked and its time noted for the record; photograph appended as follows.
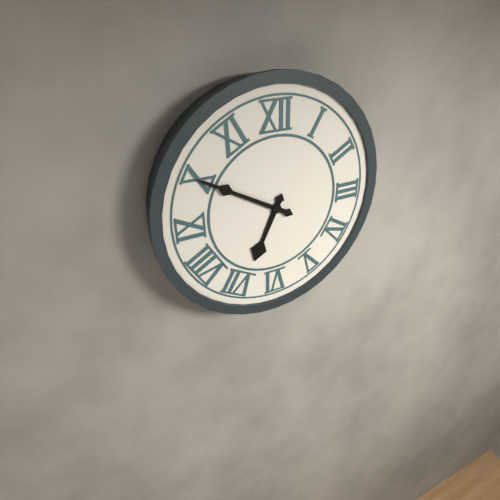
6:50
